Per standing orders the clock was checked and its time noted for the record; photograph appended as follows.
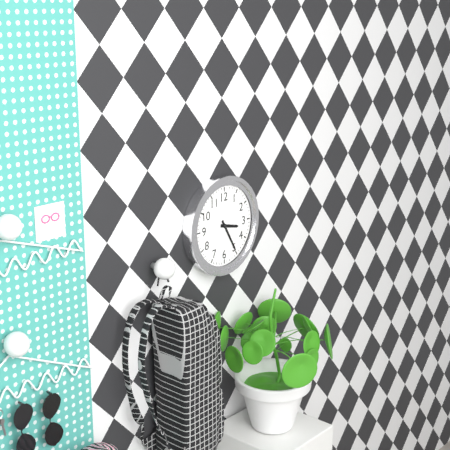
3:25
